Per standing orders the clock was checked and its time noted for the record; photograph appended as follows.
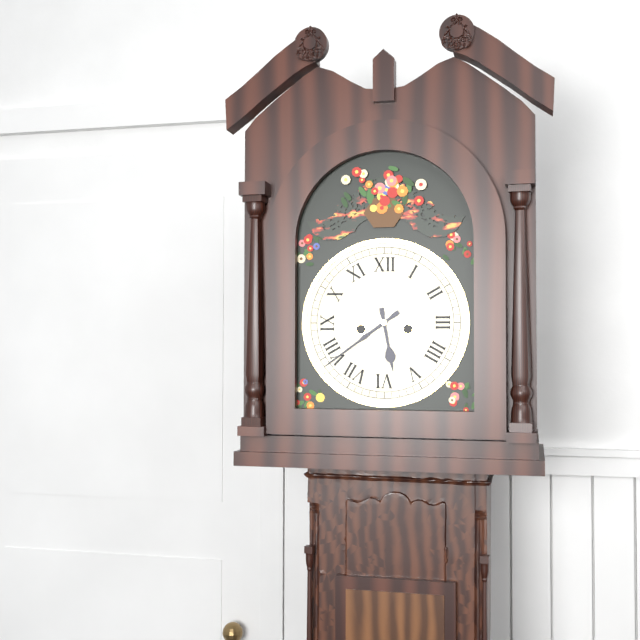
5:39
